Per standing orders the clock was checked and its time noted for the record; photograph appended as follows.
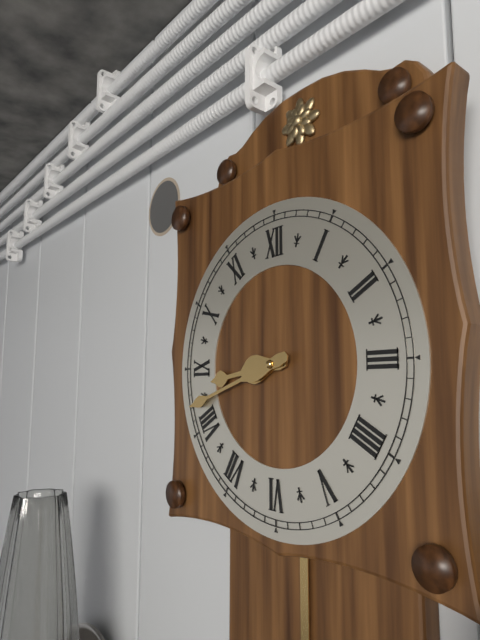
8:42
